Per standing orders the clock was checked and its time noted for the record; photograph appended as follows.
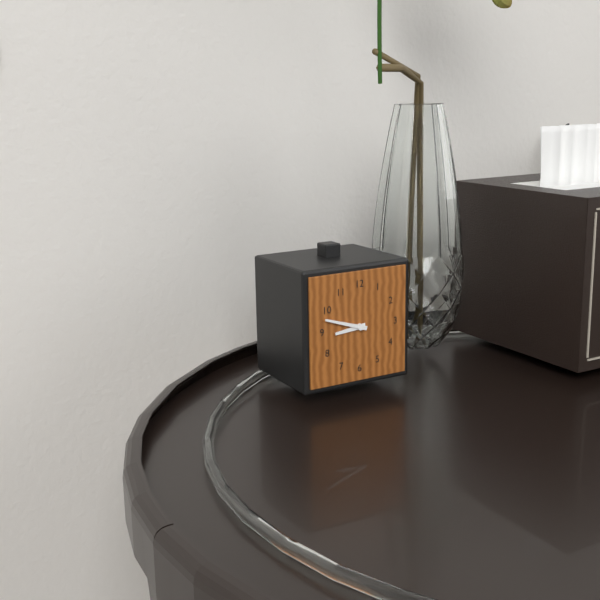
8:48
